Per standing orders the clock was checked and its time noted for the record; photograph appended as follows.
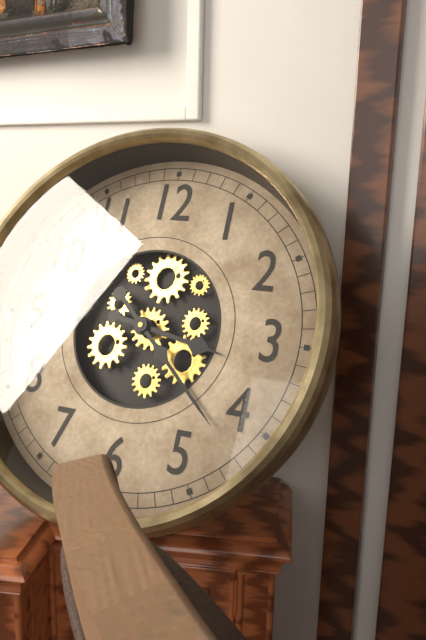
3:22
